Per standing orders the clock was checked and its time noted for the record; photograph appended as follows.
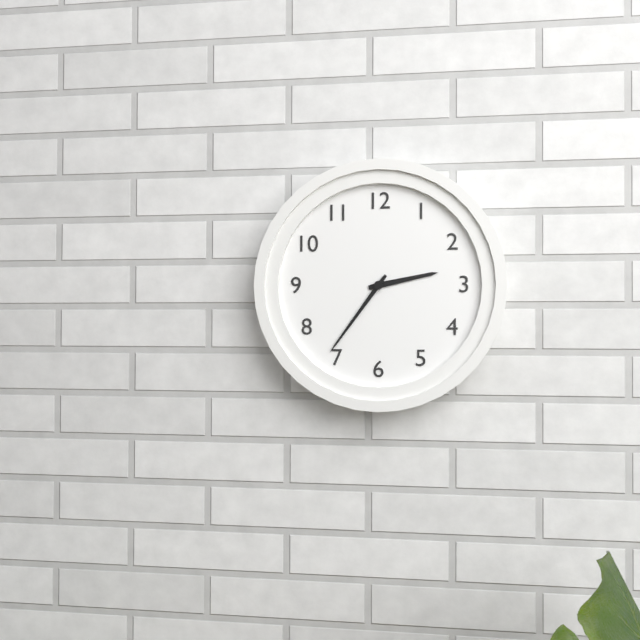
2:36
